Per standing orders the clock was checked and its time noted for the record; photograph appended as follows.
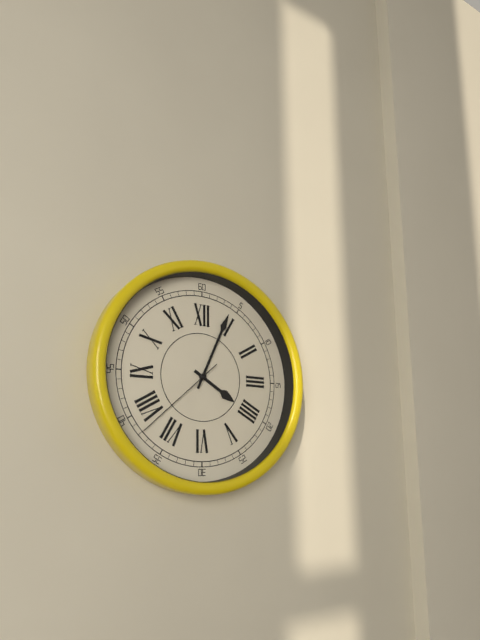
4:04:38
